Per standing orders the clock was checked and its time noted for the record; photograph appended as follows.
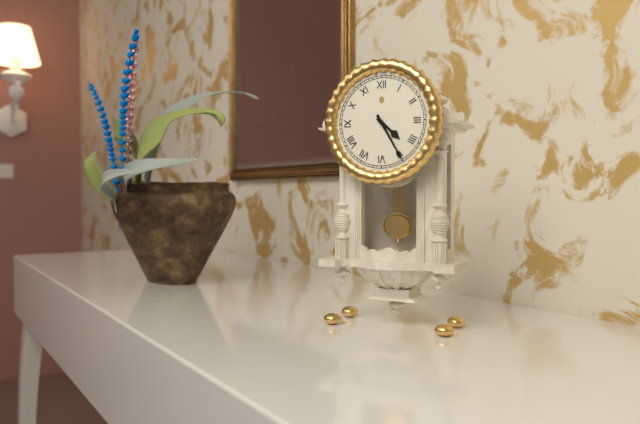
4:25
